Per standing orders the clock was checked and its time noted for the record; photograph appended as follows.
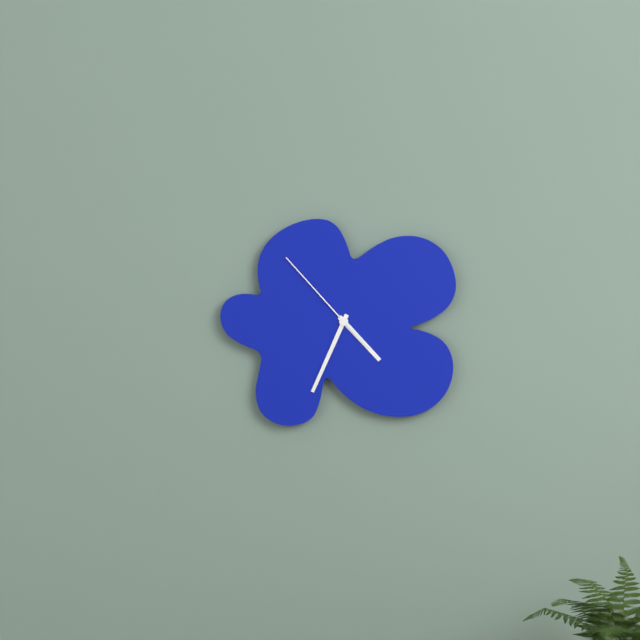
4:34:53
